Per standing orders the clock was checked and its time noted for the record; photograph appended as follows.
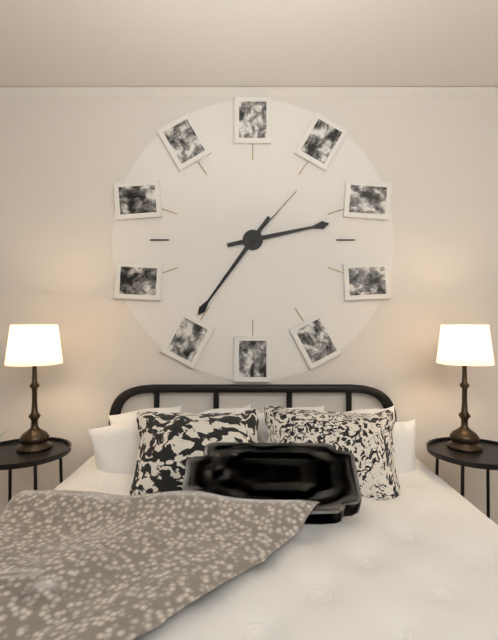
2:36:07
